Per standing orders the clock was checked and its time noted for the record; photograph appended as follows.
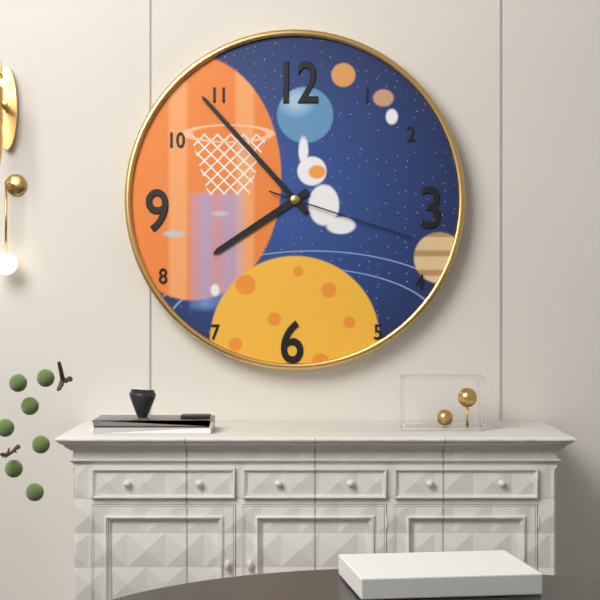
7:53:18
